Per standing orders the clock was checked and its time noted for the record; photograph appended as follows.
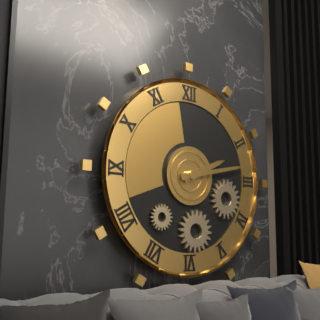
2:13
